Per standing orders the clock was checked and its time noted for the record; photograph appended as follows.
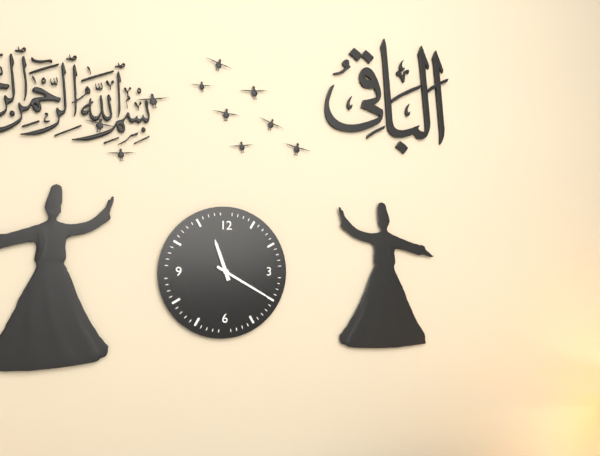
11:20
